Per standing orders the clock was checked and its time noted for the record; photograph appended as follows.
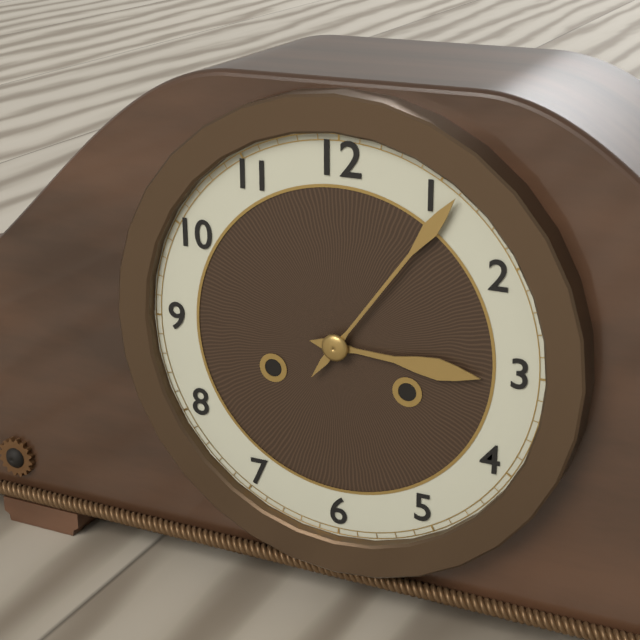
3:06
